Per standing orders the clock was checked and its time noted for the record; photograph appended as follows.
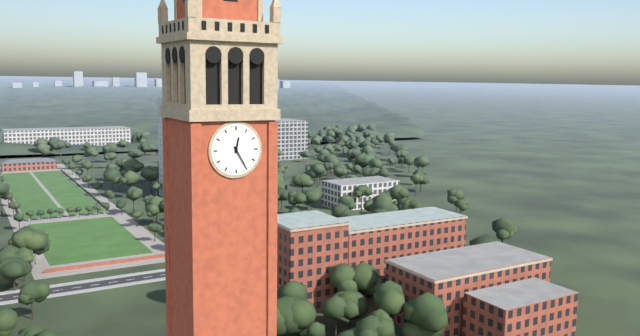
12:25
